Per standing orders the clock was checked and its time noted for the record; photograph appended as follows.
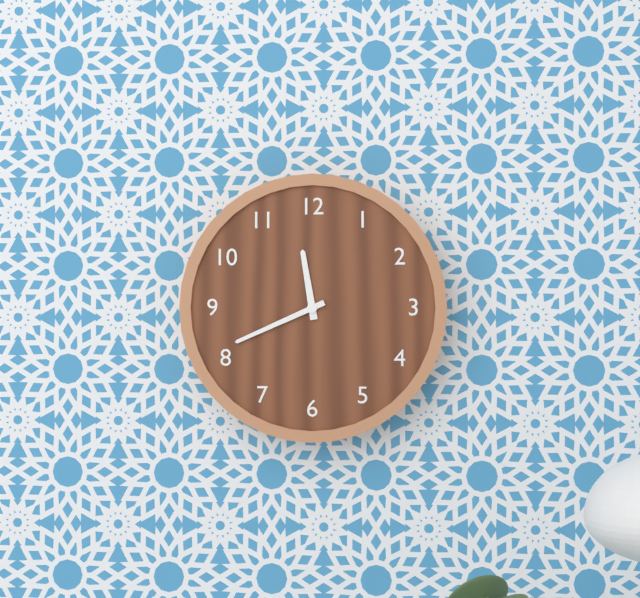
11:41
